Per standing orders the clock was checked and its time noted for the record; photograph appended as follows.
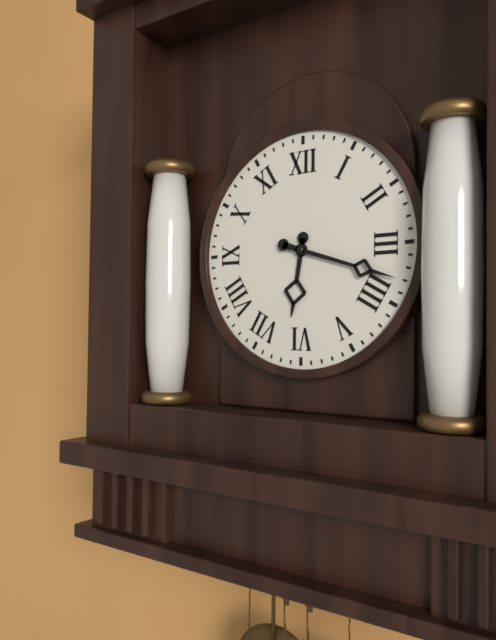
6:18
